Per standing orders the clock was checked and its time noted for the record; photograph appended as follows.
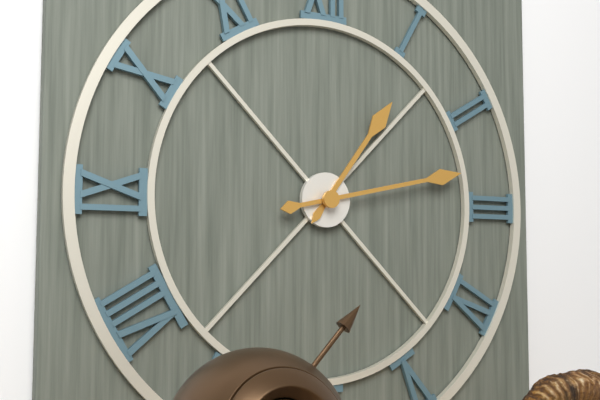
1:13
